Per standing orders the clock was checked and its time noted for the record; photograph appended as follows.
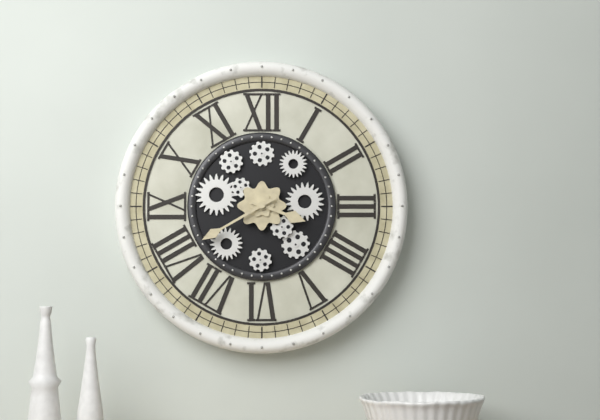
3:40
